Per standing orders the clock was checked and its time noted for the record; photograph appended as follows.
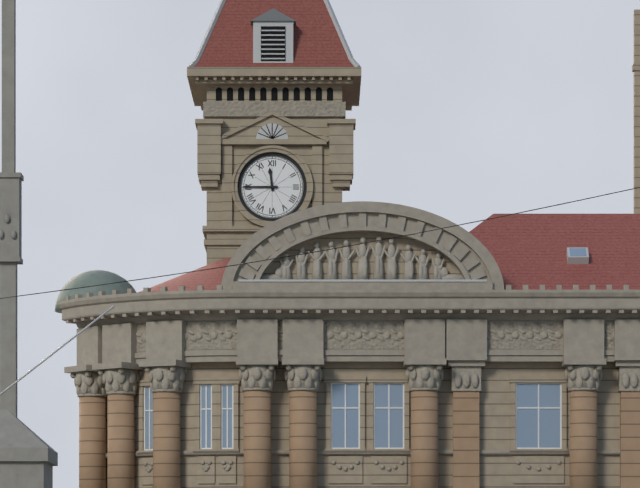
11:45
